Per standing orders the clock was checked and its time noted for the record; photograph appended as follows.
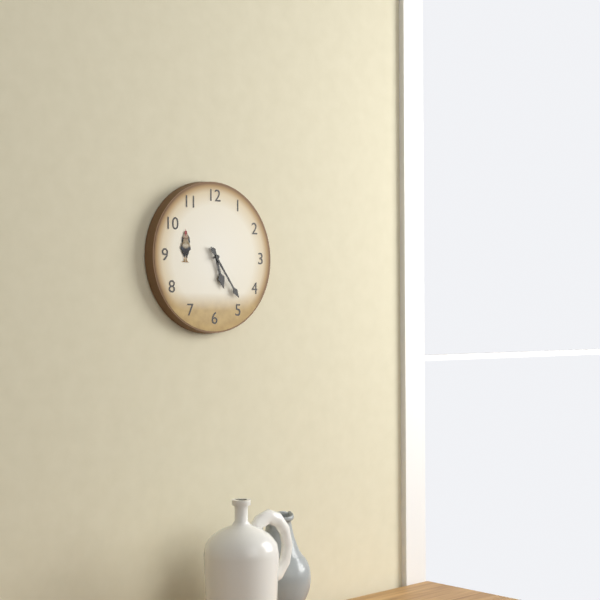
5:24
